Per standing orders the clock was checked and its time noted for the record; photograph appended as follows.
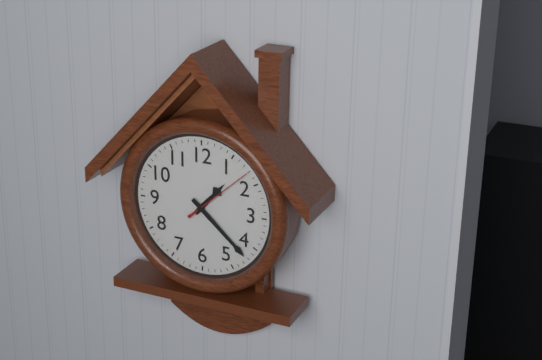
1:22
